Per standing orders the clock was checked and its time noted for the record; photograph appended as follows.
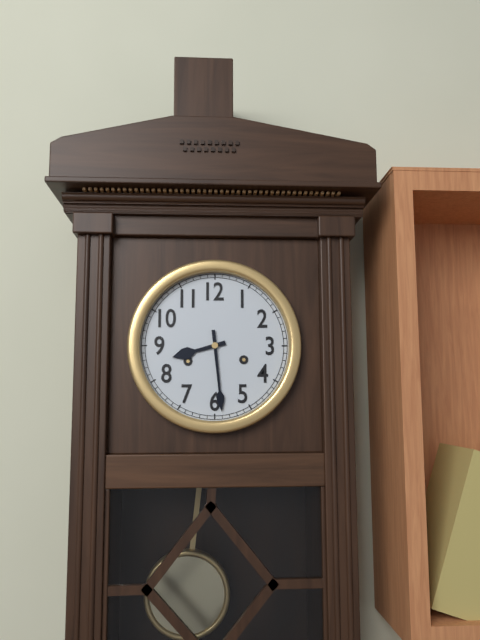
8:29
